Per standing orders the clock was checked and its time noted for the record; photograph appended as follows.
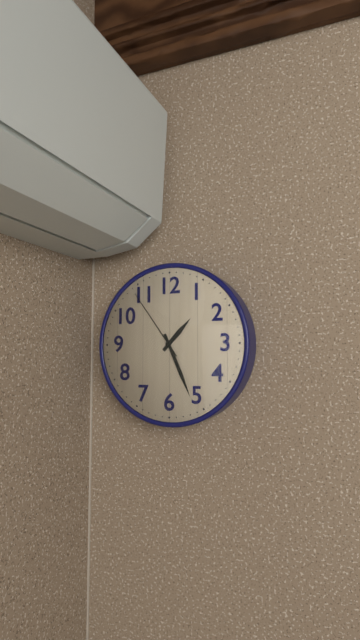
1:26:54
